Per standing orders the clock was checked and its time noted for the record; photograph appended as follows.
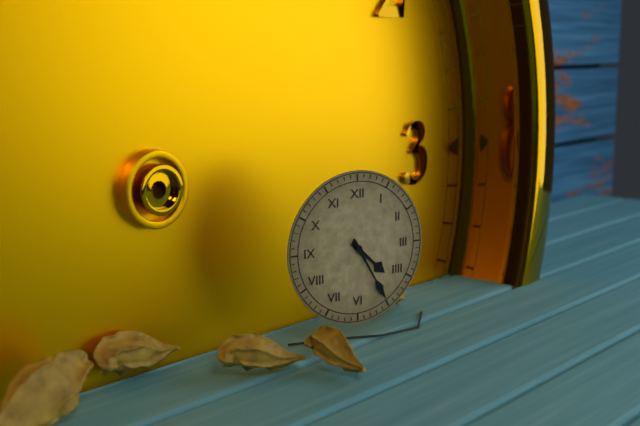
4:25
